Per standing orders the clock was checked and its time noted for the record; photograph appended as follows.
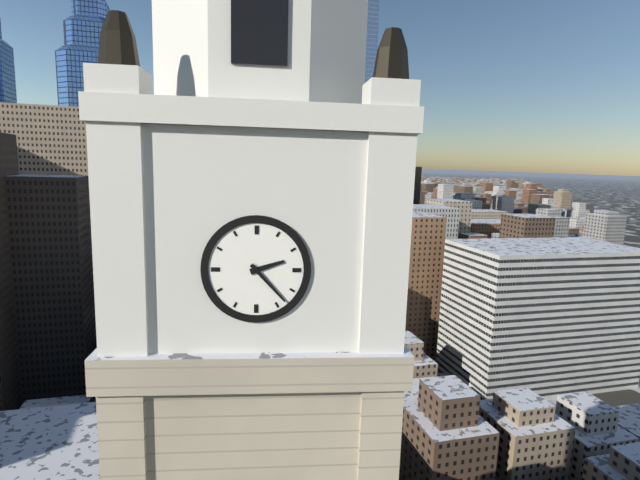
2:23
